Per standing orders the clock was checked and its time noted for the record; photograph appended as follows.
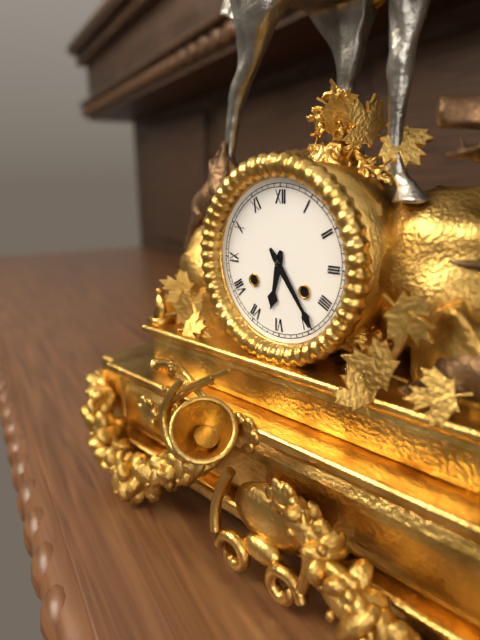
6:24
